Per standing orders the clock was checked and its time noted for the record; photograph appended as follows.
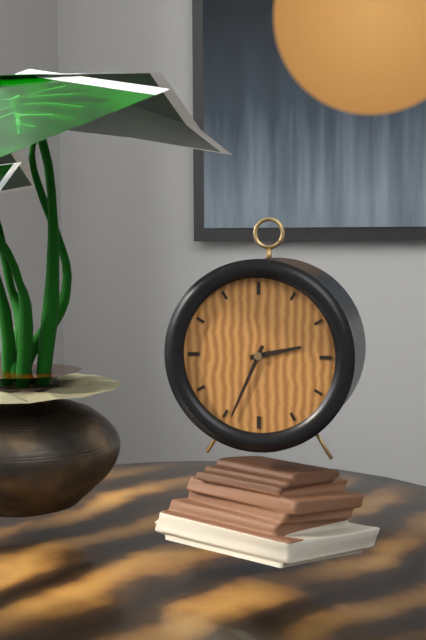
2:34
